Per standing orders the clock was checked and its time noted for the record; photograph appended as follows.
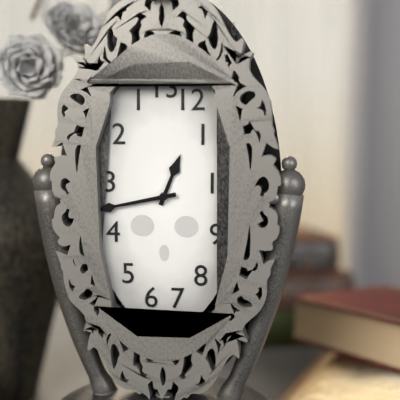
12:43
